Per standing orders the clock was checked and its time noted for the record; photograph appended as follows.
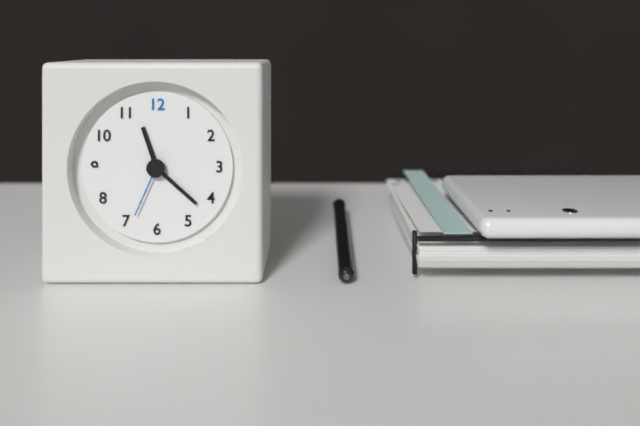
11:22:34
